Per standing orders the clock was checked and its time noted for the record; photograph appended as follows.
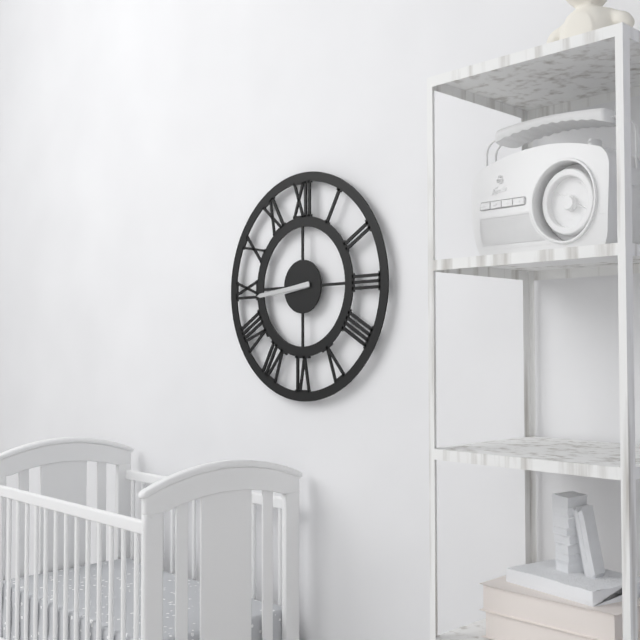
8:44
